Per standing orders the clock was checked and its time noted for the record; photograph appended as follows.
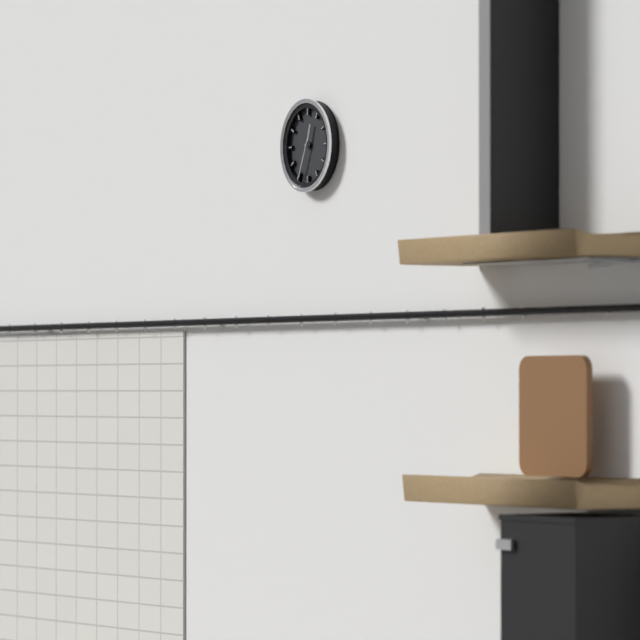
12:34
